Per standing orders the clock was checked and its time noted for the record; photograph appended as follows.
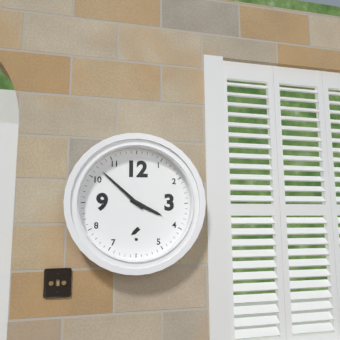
3:52
